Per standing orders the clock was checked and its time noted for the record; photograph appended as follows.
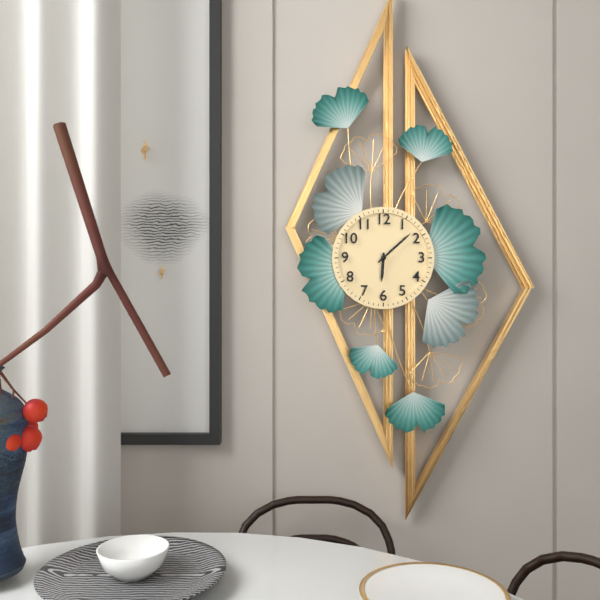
6:08
